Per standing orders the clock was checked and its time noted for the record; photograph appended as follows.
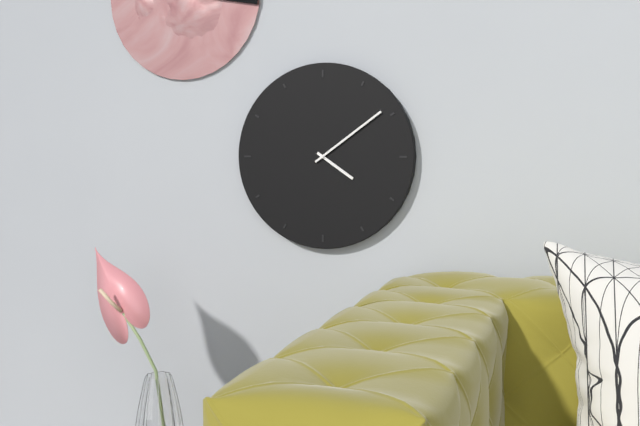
4:09
